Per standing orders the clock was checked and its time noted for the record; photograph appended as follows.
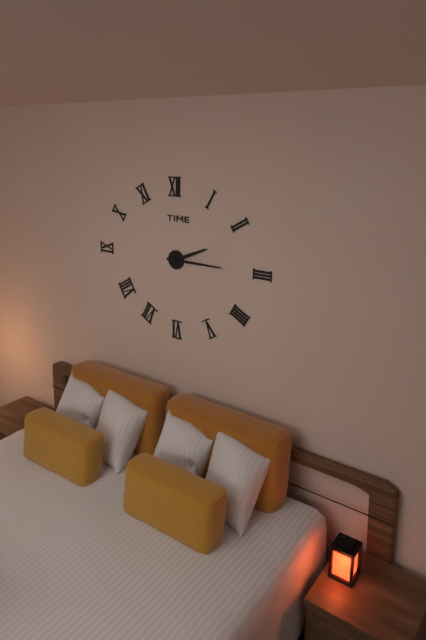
2:15
